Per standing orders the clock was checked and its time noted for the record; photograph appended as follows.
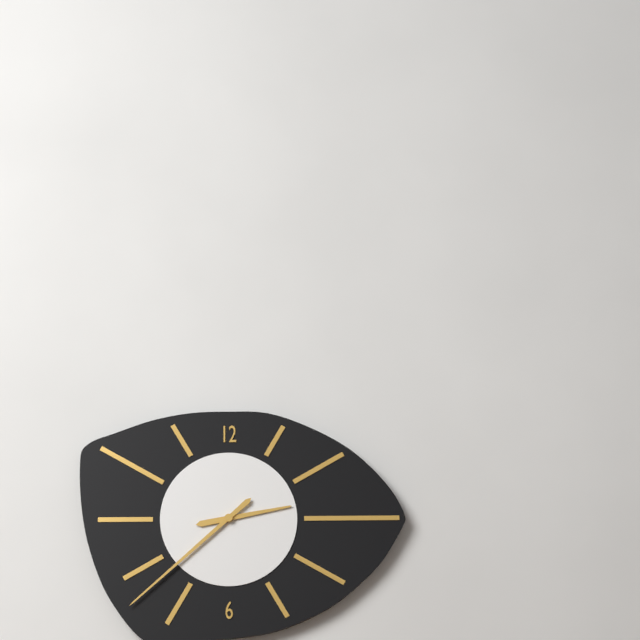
2:38
